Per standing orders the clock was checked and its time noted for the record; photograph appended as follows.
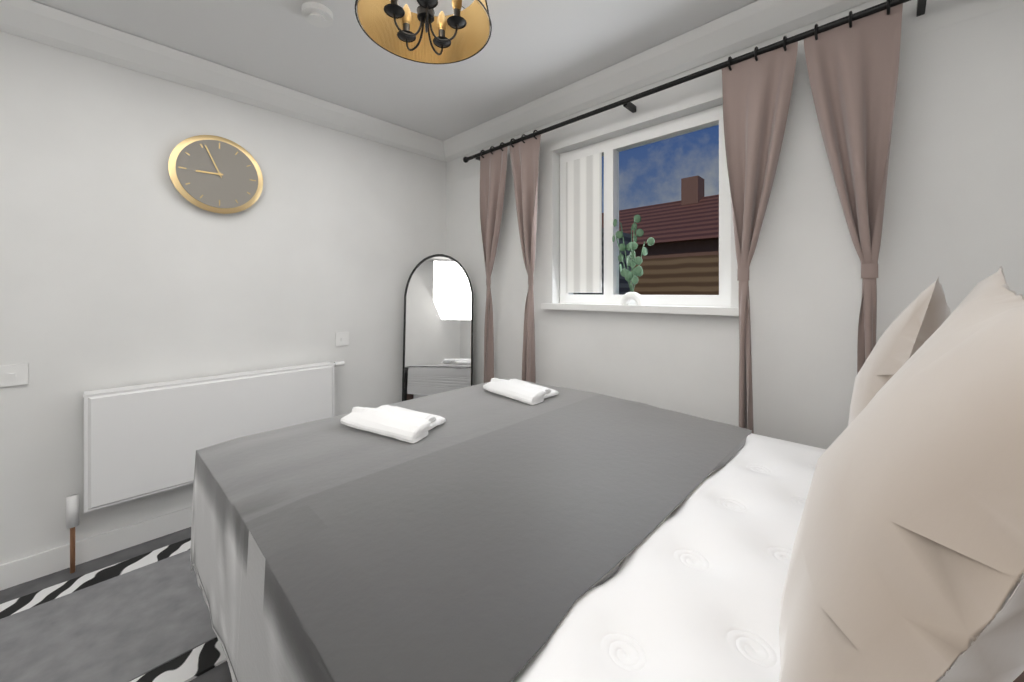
8:56
